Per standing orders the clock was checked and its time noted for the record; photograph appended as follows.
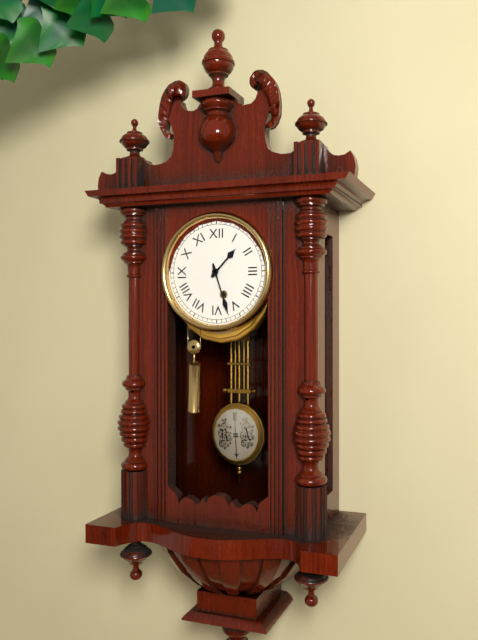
1:27
